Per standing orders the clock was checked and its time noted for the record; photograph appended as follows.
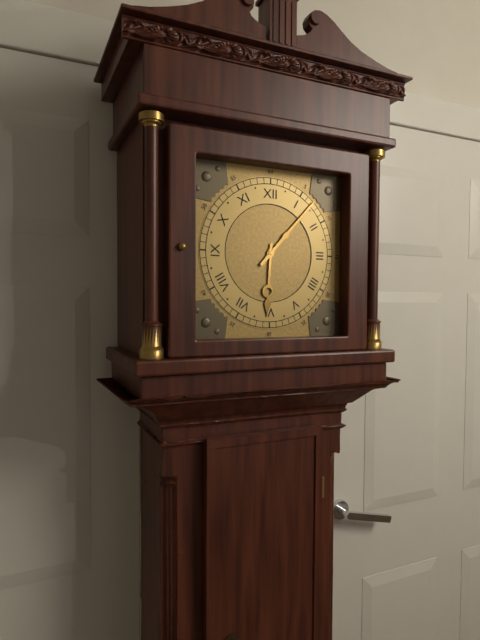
6:07
